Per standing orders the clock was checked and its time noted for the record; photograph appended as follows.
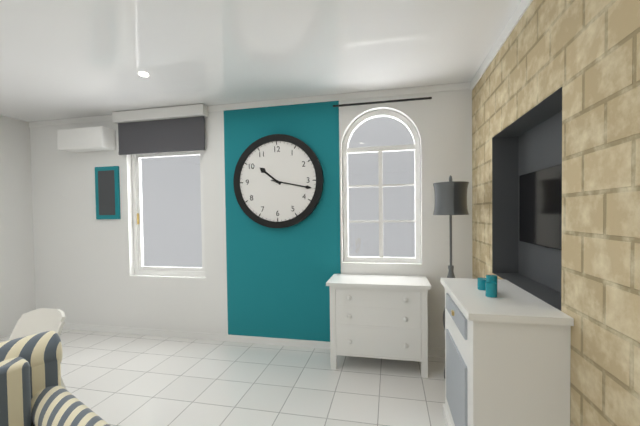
10:17
